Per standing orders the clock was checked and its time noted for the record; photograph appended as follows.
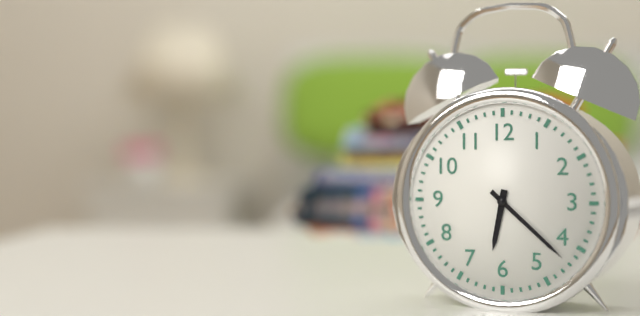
6:22
